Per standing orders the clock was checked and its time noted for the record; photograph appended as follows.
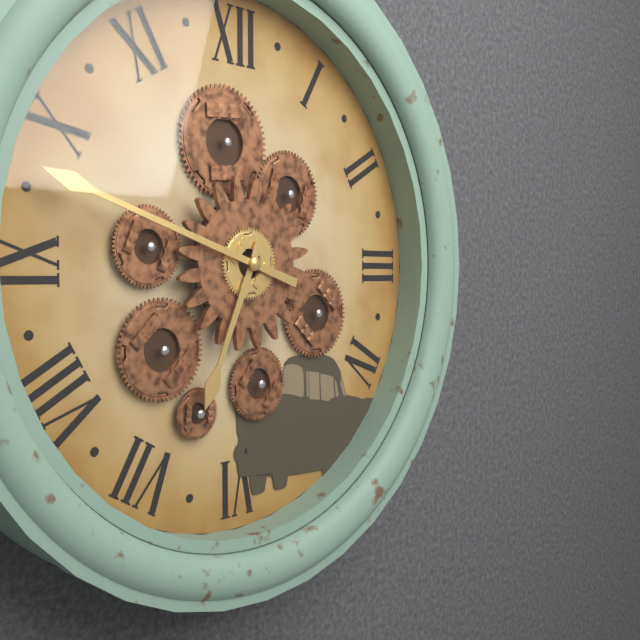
6:48
